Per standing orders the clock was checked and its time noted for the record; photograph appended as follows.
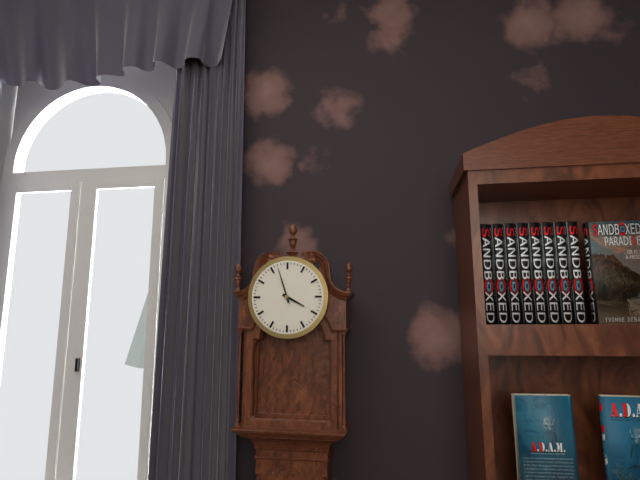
3:57
